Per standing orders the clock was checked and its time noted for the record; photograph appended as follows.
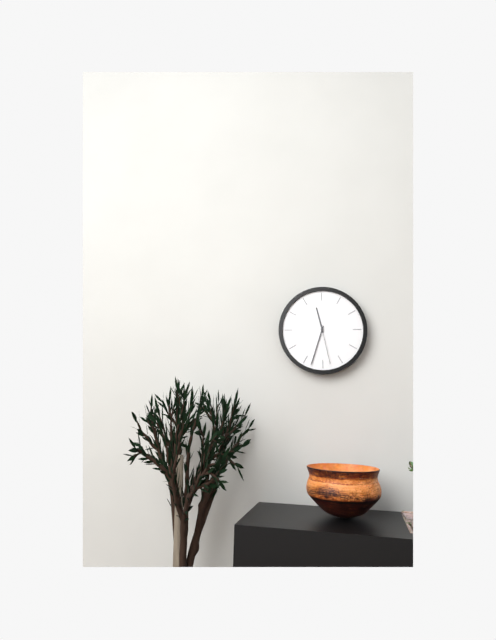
11:33
